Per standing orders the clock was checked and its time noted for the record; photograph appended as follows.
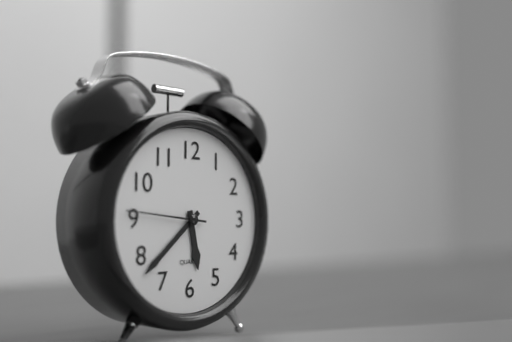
5:38:46
